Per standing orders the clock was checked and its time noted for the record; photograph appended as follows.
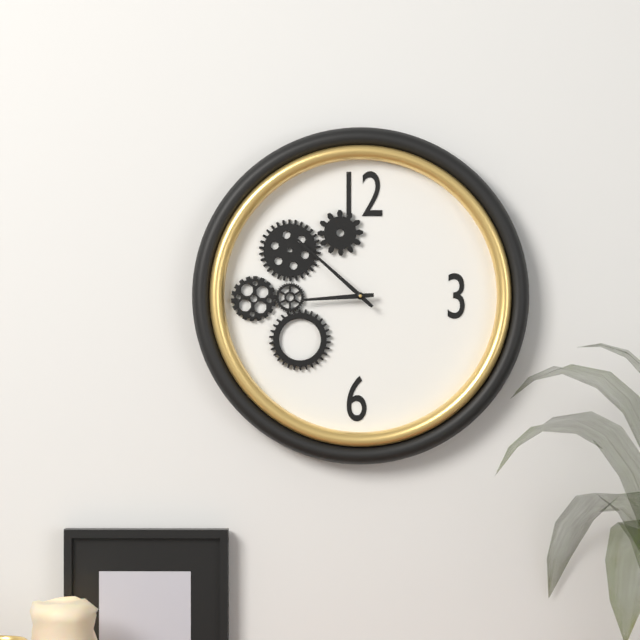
8:52
